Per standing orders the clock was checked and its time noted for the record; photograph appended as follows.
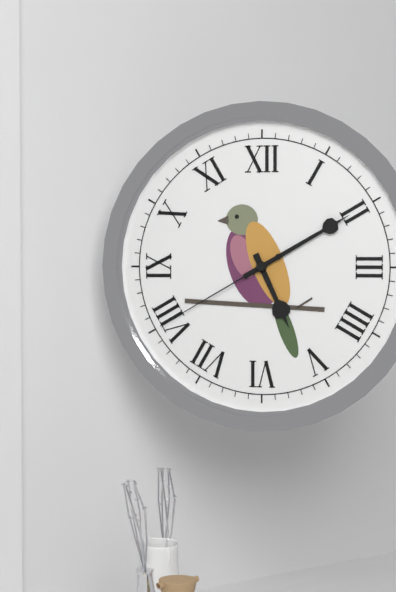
5:10:40
